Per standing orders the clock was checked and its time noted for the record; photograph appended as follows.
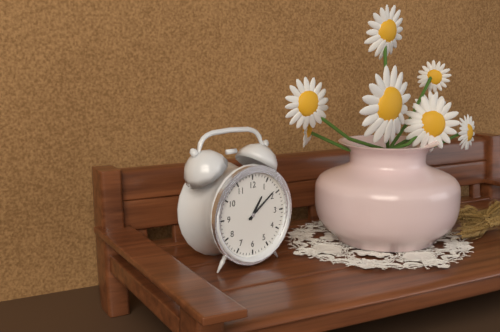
1:09
